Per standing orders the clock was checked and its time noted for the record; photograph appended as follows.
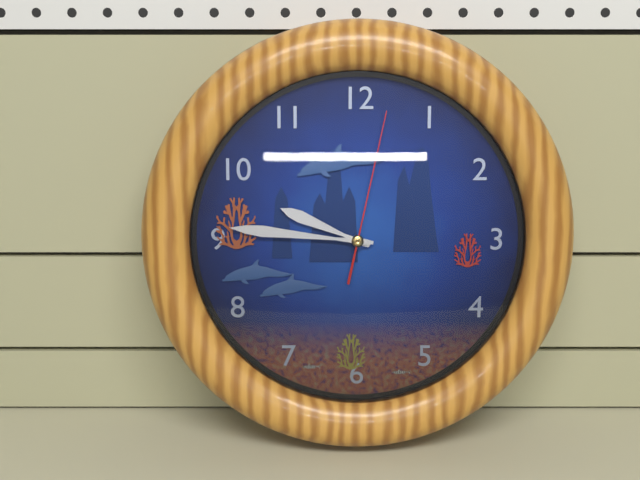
9:46:02
